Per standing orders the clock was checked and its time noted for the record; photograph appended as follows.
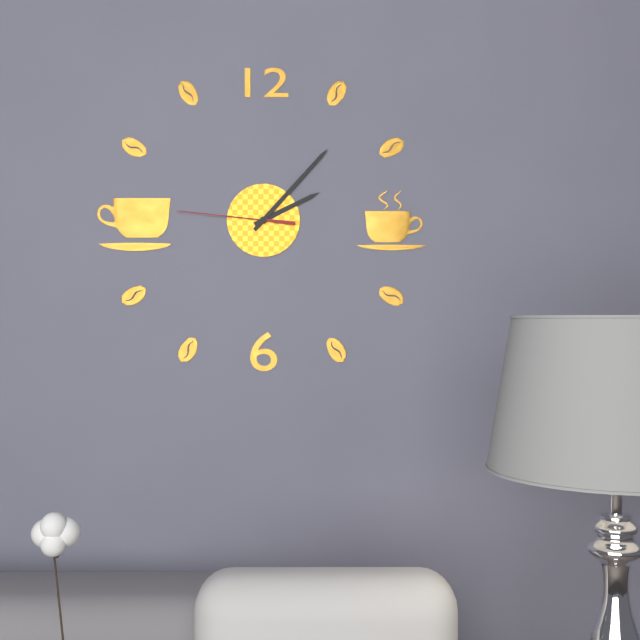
2:07:46
